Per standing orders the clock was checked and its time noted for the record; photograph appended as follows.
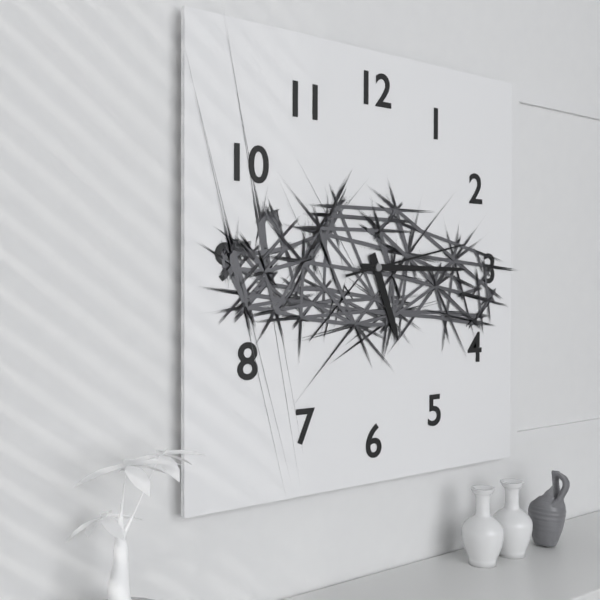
5:15:13
